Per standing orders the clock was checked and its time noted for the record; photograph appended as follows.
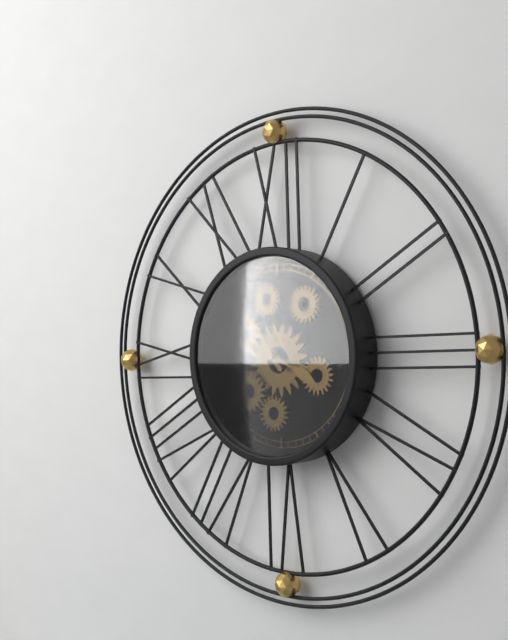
3:54
